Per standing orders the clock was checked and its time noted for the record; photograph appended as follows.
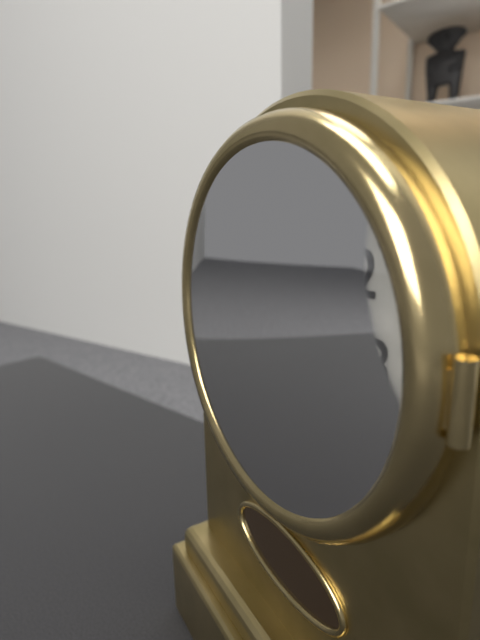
4:48
